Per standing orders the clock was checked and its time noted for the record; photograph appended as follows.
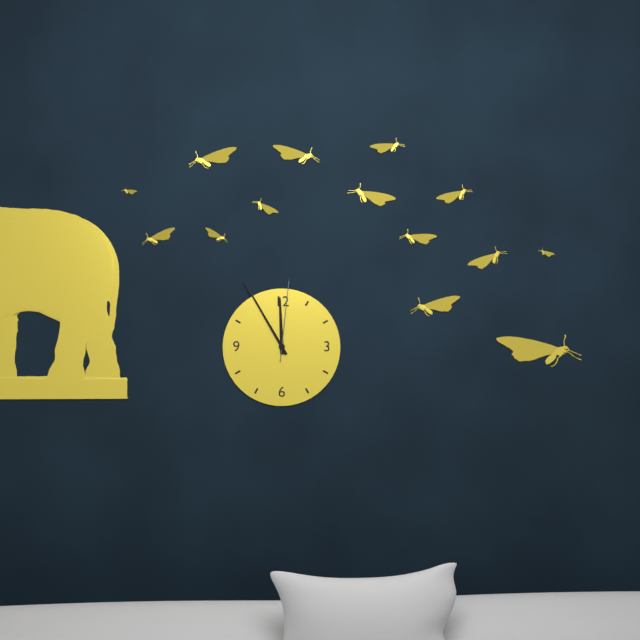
11:55:01
